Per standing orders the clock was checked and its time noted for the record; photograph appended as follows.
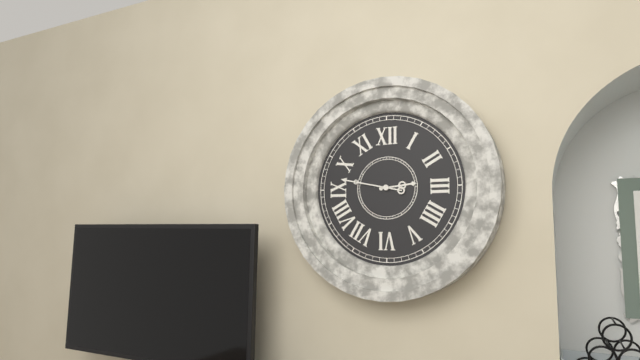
2:47
